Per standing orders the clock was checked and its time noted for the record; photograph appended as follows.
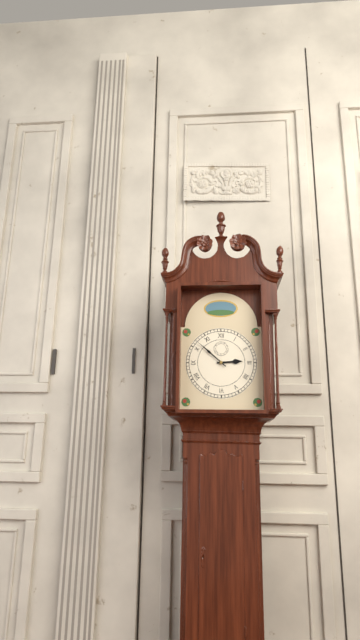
2:52
